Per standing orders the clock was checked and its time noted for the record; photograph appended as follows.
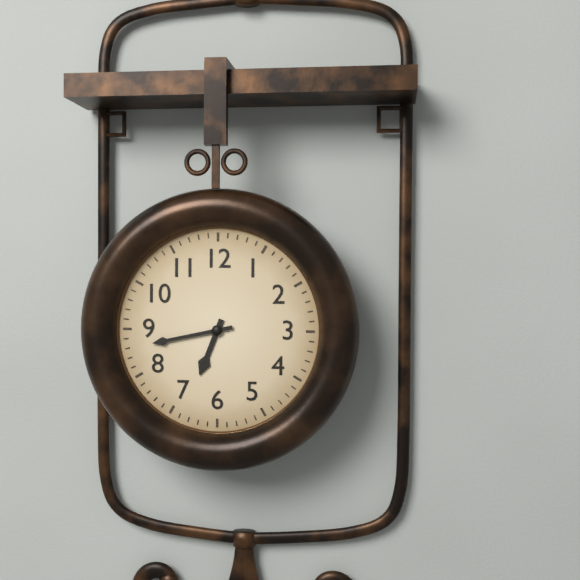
6:43
